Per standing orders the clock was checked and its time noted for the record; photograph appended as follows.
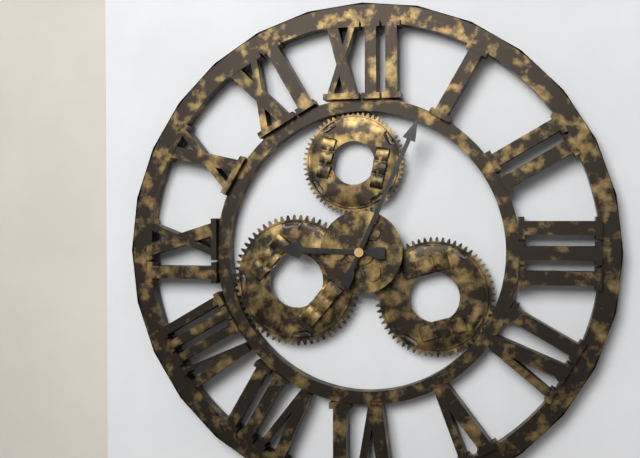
9:04
